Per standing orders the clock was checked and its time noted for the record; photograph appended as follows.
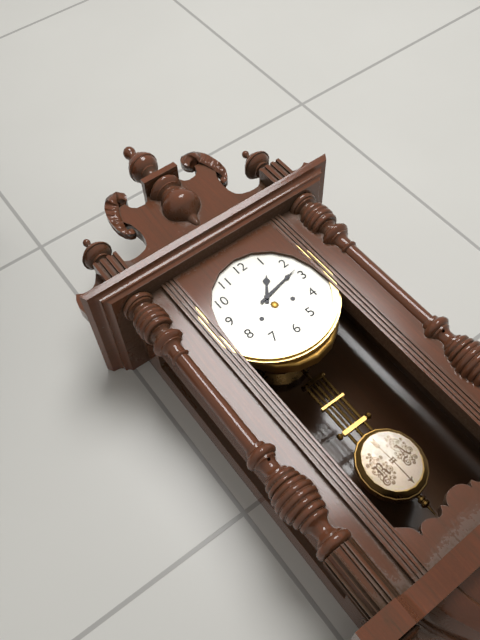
1:13
